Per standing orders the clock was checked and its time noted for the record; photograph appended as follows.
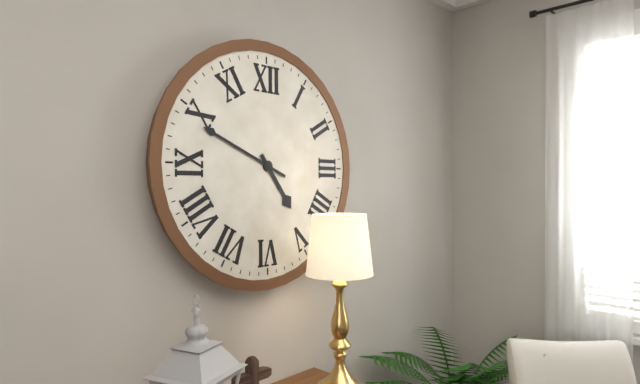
4:49
